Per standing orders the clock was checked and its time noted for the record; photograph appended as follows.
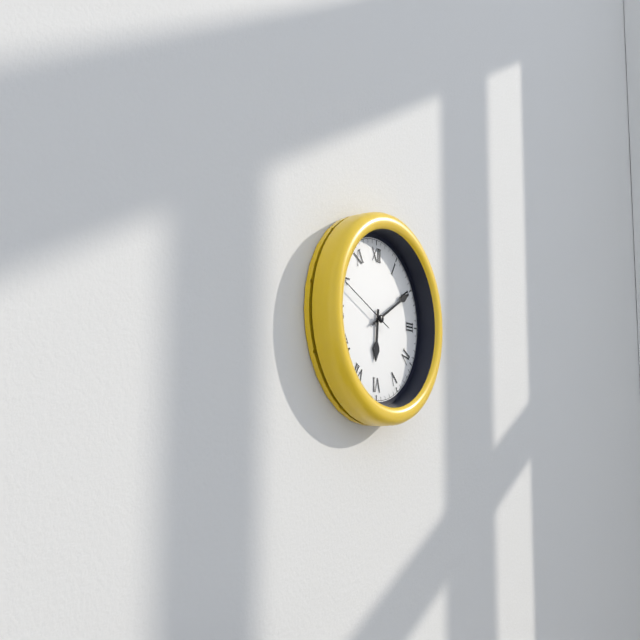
6:10:49
